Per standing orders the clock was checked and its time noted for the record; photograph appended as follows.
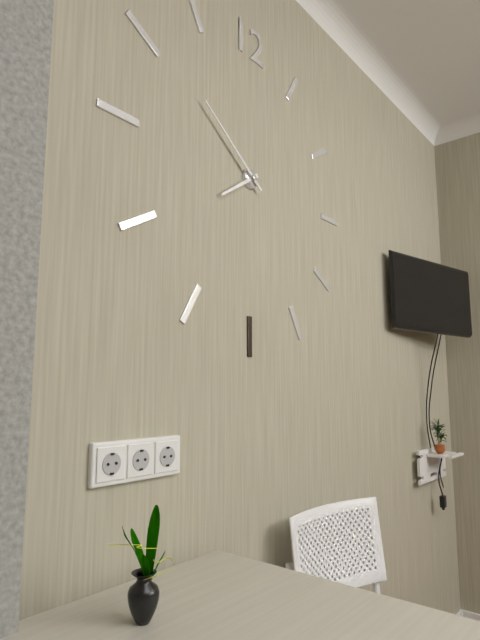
7:51
